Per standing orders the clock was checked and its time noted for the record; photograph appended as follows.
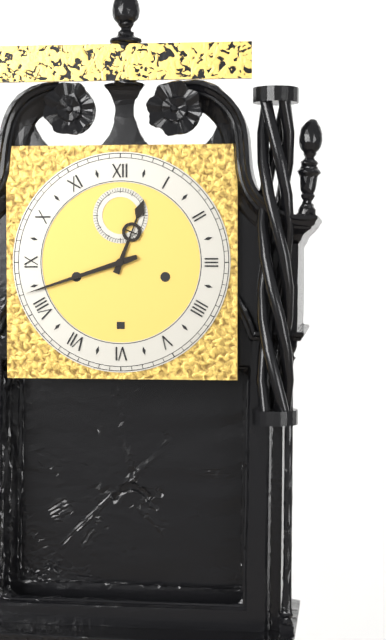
12:42
